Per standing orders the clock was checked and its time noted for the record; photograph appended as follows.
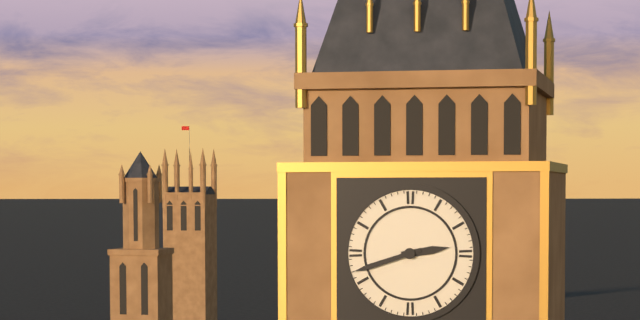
2:42
